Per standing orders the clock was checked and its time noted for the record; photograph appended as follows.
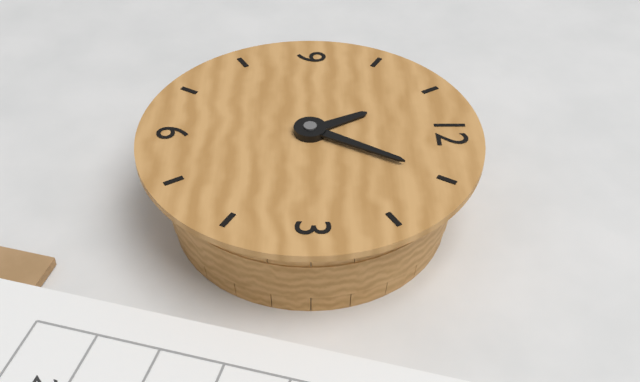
11:05
